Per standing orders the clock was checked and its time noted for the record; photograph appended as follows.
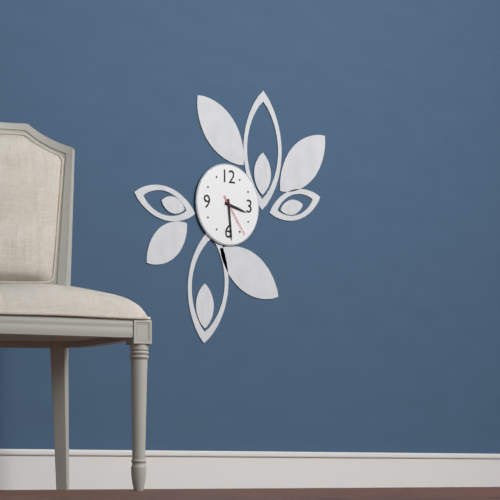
3:29
